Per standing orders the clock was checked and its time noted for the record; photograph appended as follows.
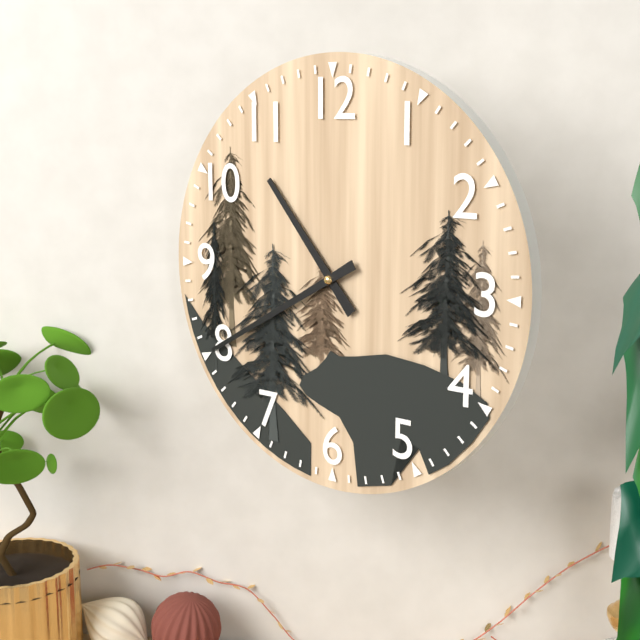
10:40
